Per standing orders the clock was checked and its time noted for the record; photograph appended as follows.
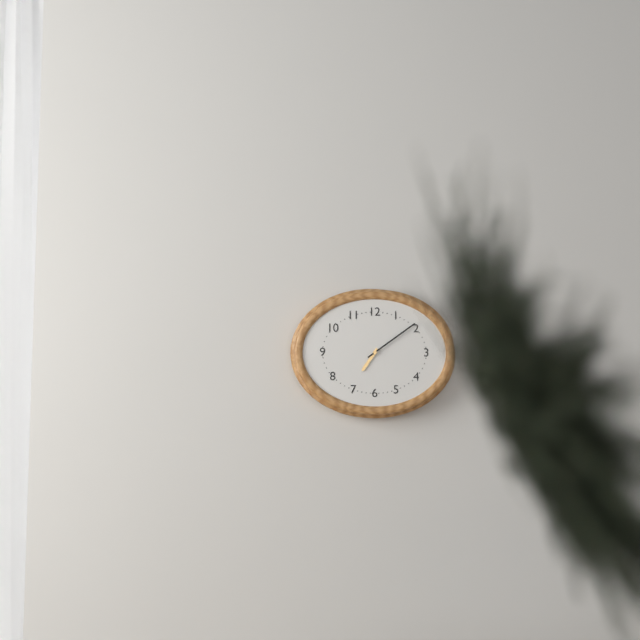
7:09
